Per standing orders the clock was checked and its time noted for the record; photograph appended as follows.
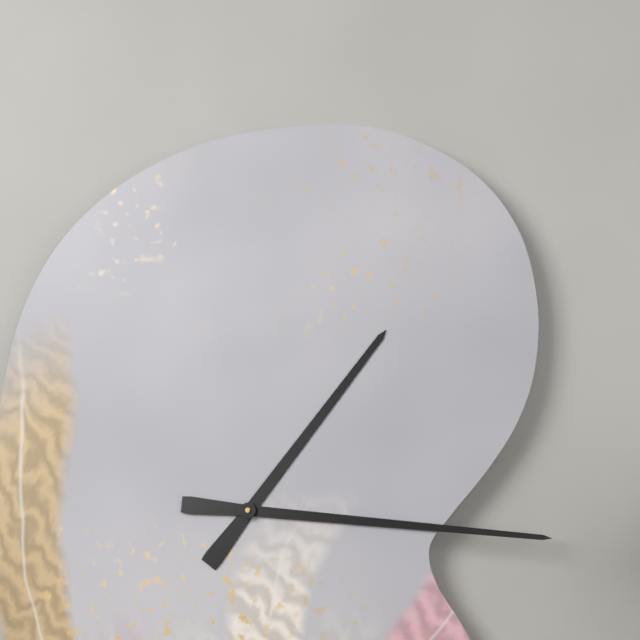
1:16
